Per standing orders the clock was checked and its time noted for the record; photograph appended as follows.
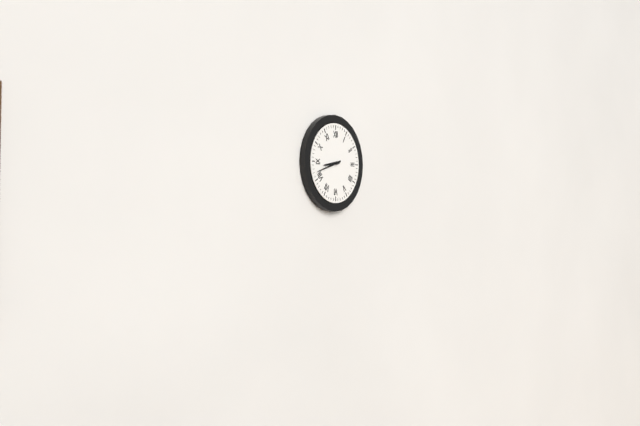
8:42
